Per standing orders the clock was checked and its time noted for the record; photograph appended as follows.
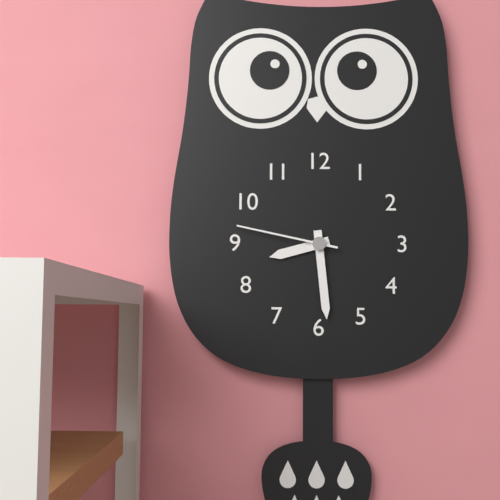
8:29:47
